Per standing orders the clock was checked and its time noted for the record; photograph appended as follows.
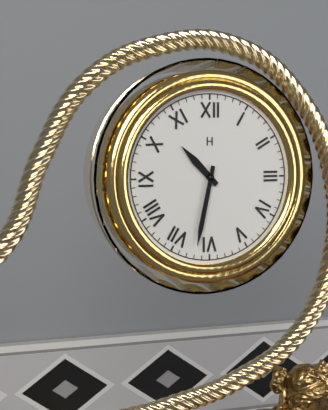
10:32
